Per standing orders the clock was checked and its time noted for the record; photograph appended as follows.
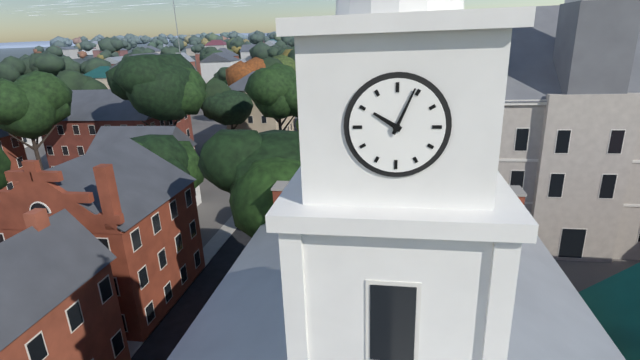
10:04
